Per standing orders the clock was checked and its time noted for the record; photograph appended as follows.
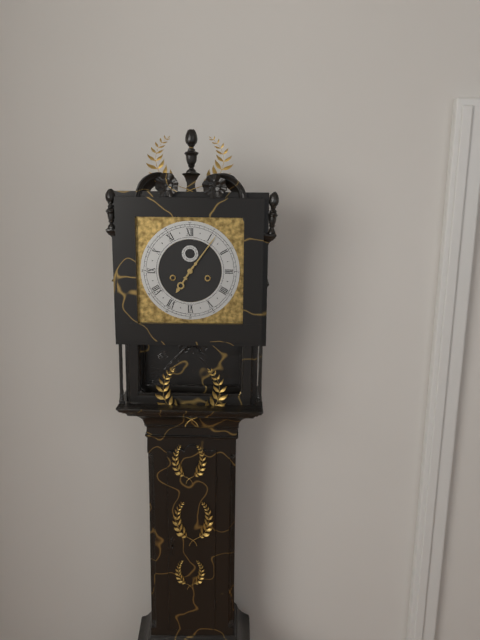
7:06
